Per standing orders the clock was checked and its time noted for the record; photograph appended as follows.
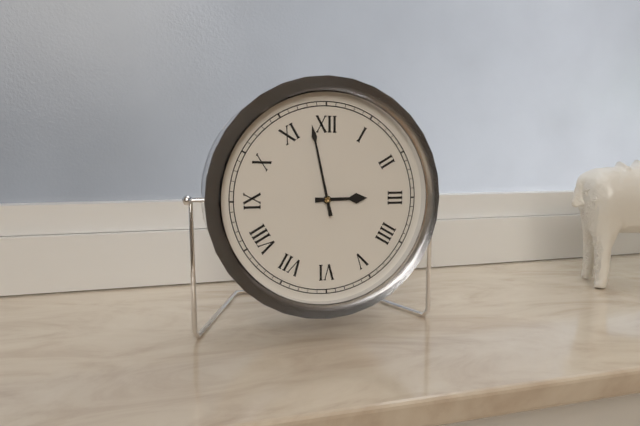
2:58
